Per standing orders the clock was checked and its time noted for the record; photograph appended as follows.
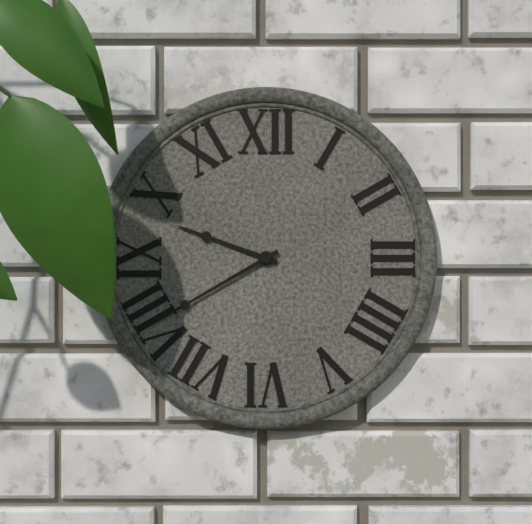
9:40
